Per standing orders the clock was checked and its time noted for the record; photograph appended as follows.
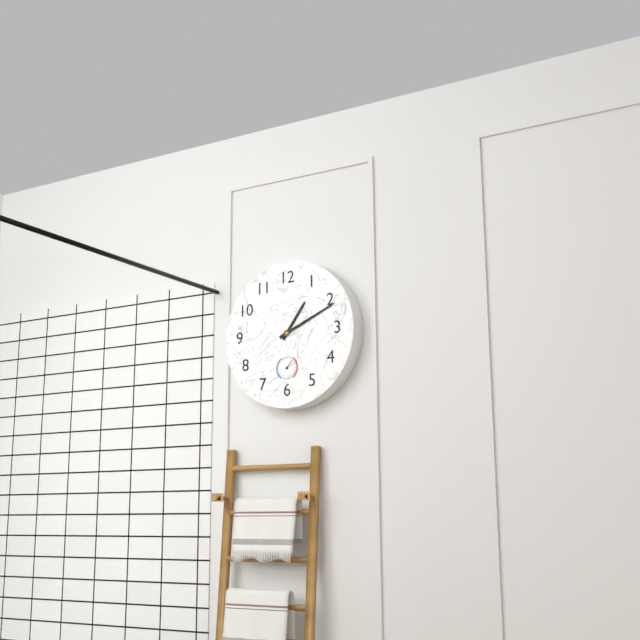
1:11
